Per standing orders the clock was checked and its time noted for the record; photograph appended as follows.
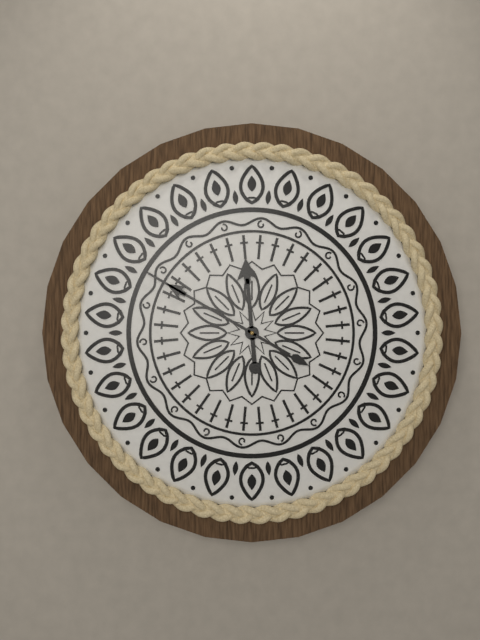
11:50
